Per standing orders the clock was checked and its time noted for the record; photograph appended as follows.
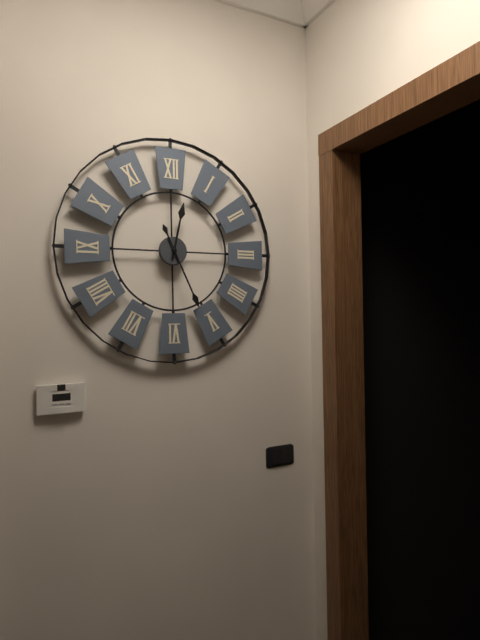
12:26
